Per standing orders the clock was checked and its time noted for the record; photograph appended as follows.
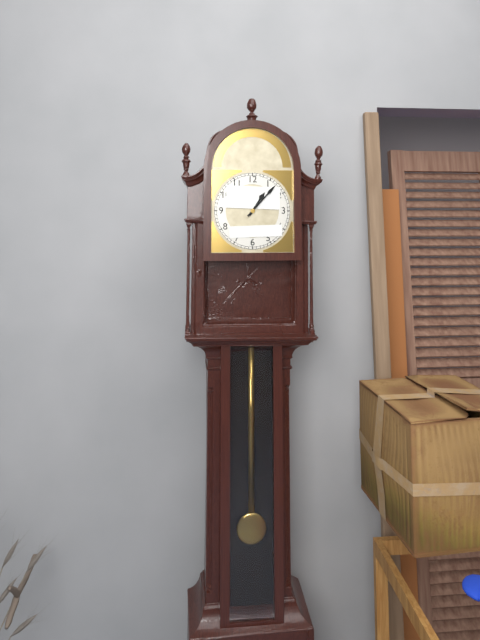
1:07
